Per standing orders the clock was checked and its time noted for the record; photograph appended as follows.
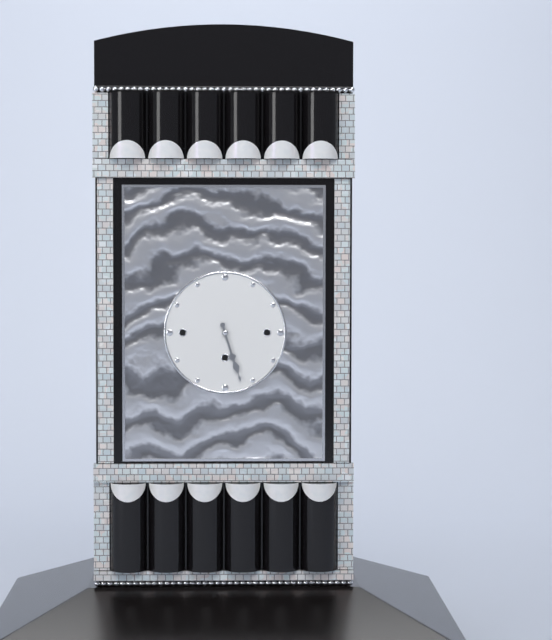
5:27
